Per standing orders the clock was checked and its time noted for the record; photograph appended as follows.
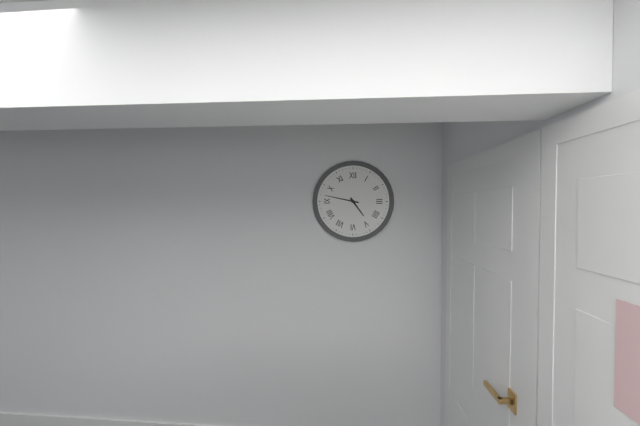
4:47
